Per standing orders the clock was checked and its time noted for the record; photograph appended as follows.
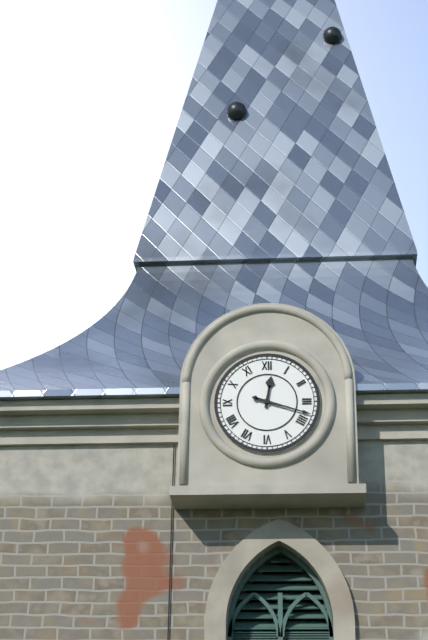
12:18
